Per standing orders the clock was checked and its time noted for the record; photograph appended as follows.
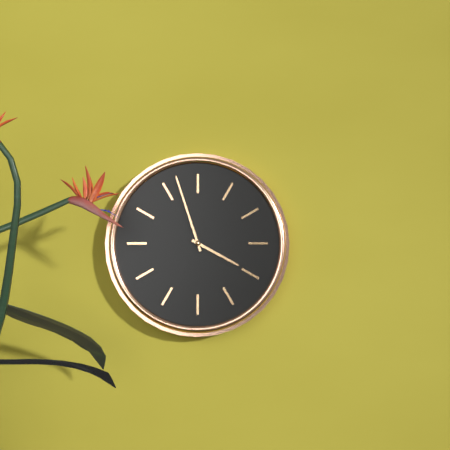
3:57
